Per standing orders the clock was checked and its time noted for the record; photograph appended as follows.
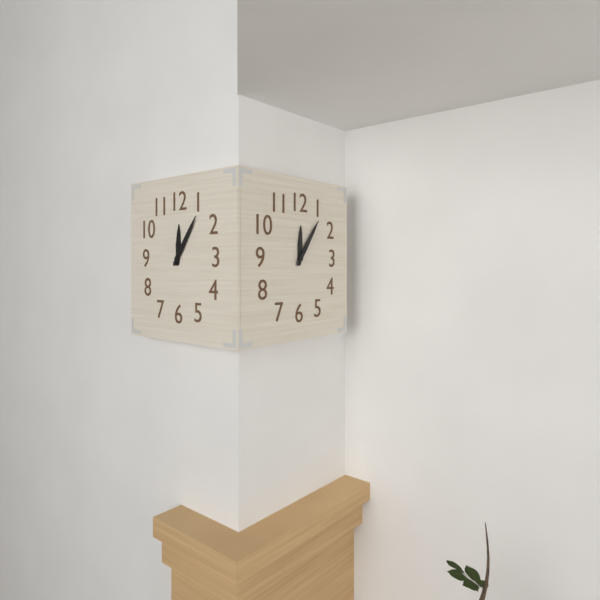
12:06
